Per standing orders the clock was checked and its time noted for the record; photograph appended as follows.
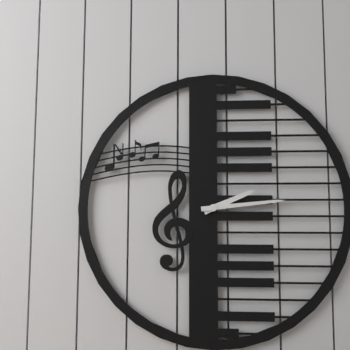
2:14
